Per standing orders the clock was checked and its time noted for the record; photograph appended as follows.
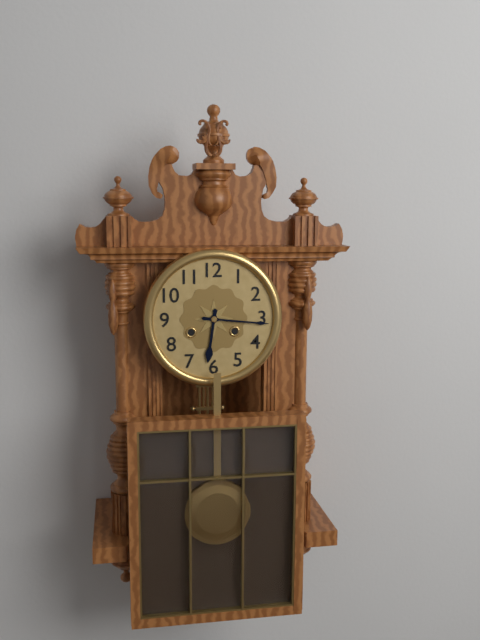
6:16
